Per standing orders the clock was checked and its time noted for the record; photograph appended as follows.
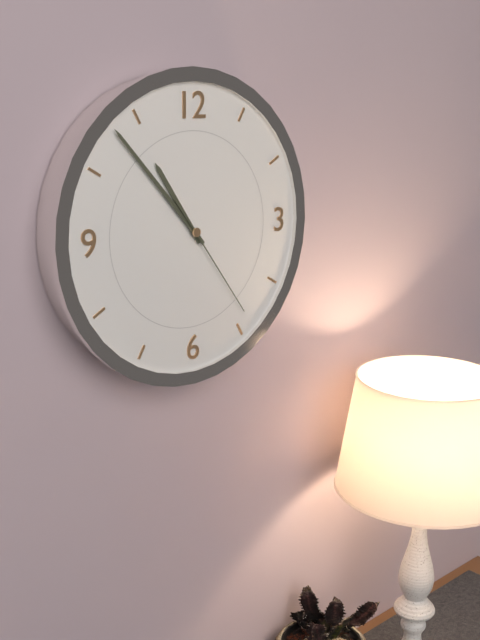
10:53:24
